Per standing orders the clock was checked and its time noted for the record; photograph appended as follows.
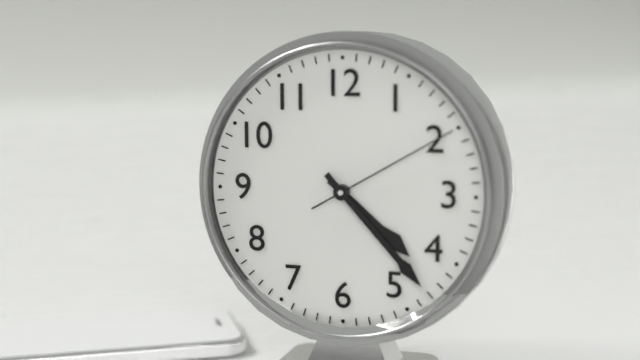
4:23:10
